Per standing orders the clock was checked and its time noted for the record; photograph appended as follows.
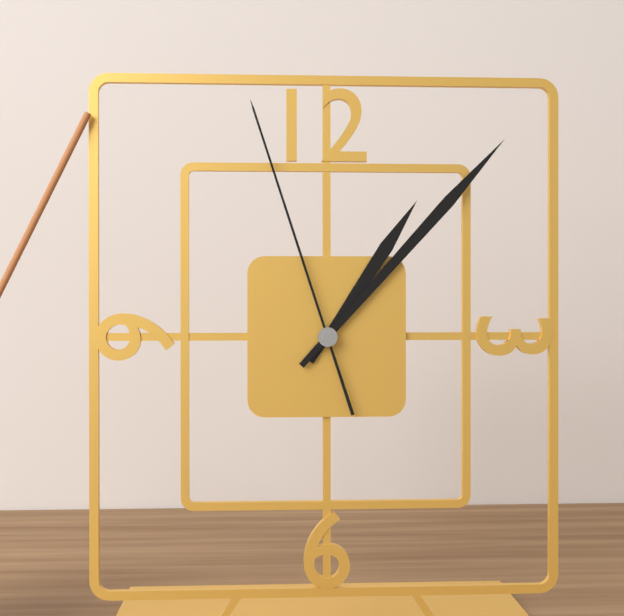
1:07:57
